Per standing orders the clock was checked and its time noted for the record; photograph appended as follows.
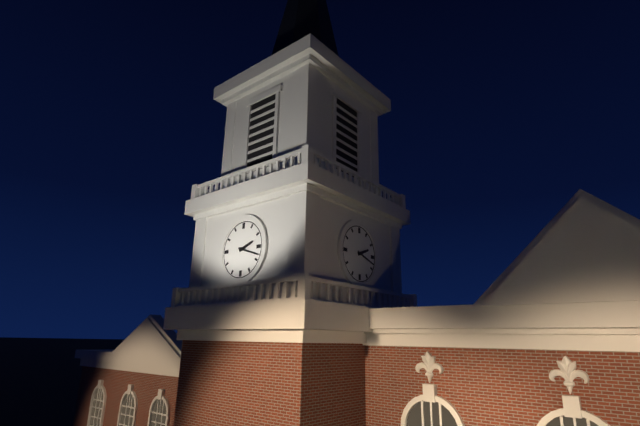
2:18
